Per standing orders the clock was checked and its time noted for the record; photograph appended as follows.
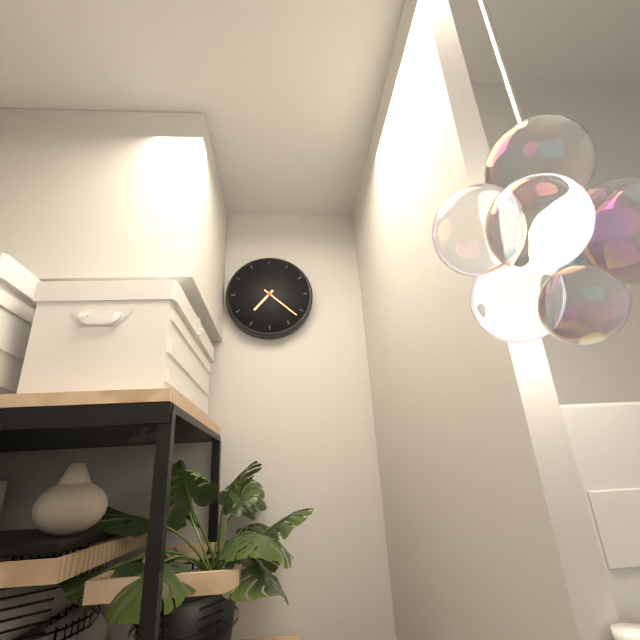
7:22
